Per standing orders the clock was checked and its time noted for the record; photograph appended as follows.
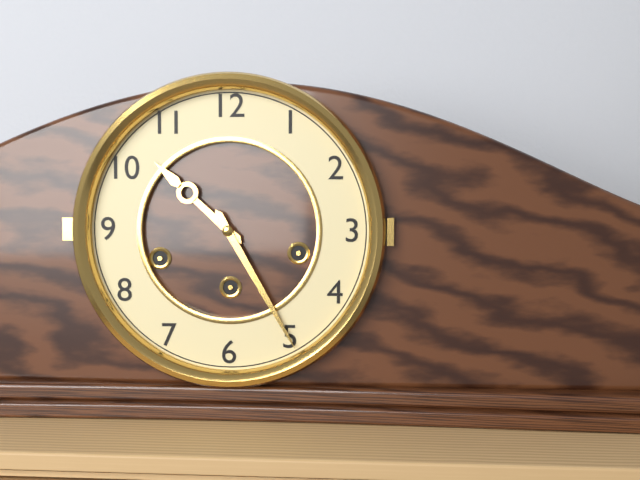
10:25
